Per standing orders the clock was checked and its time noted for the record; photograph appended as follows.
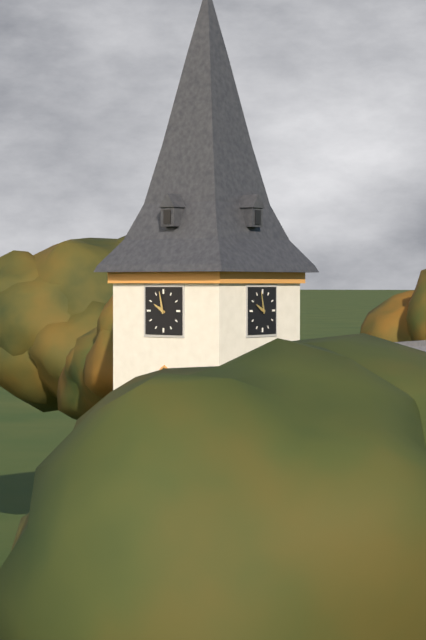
9:58
